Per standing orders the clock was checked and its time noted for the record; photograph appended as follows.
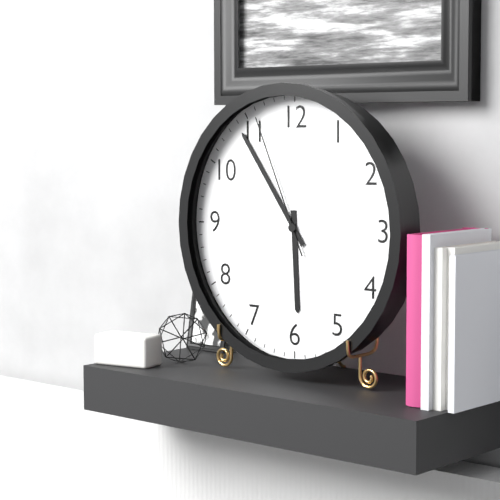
5:54:56
